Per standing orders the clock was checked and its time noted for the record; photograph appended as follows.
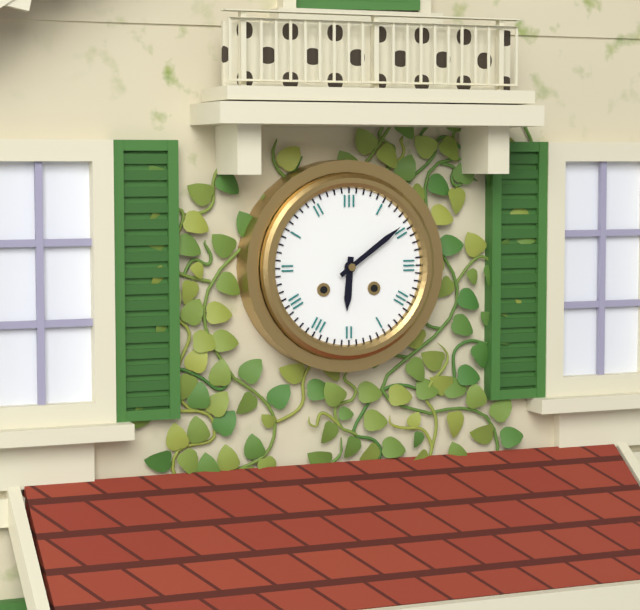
6:09
